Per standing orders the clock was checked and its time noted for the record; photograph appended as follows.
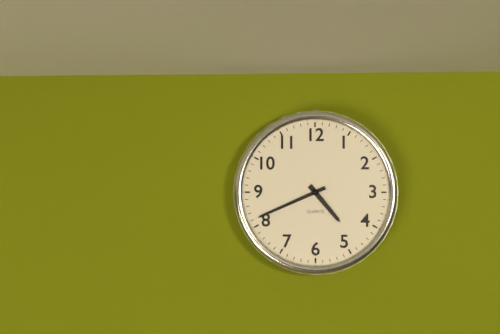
4:41
